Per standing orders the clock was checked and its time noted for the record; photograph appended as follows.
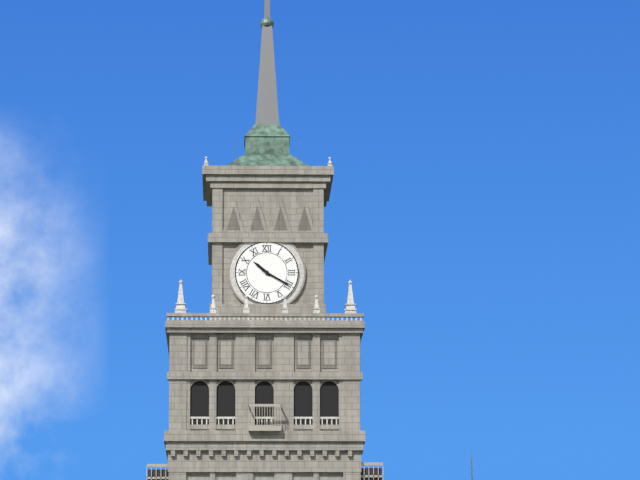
10:20
